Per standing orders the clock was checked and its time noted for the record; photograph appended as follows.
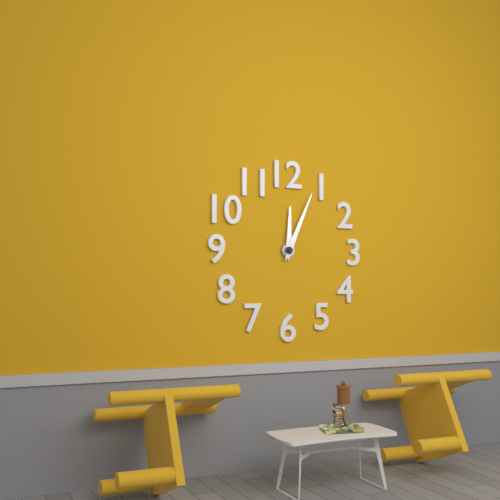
12:04
